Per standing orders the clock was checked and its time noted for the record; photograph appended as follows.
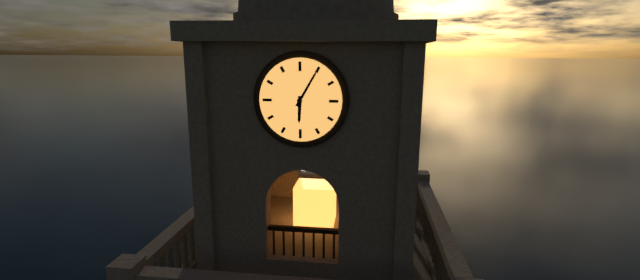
6:05
